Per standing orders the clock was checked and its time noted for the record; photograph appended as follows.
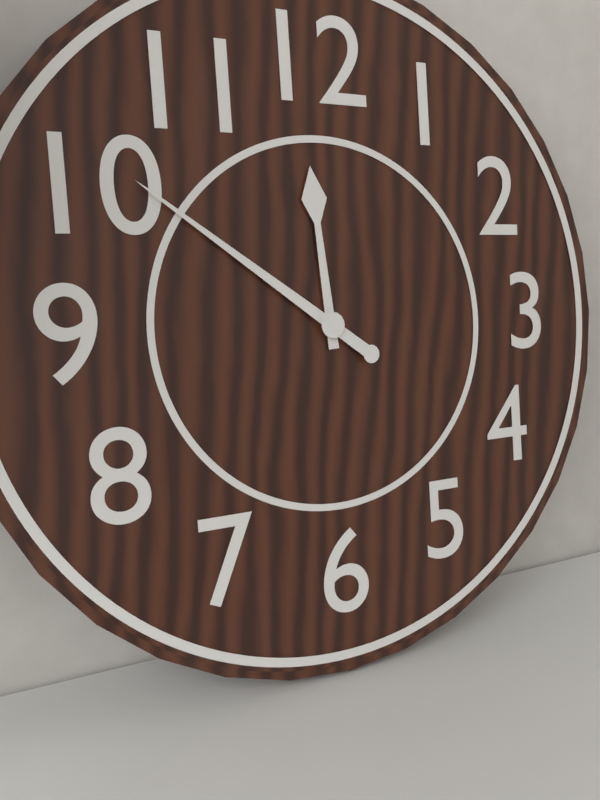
11:51
